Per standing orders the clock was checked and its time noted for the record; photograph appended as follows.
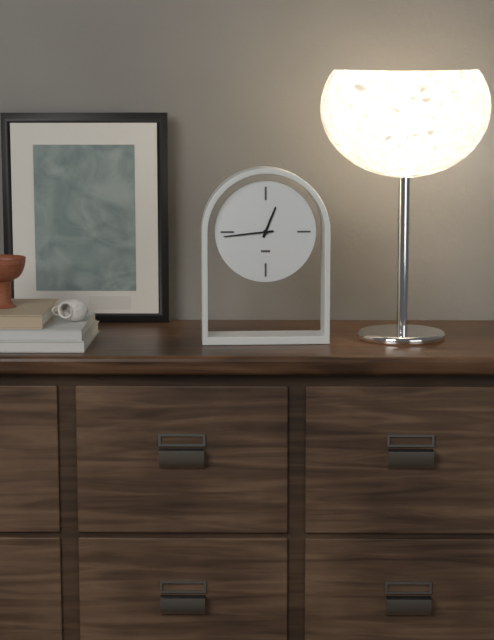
12:44
